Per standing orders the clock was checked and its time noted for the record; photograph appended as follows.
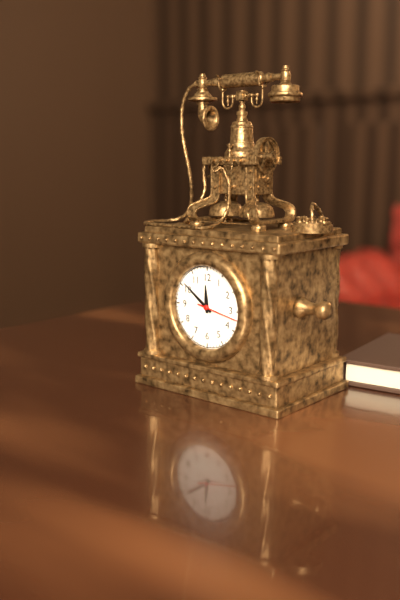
11:51
